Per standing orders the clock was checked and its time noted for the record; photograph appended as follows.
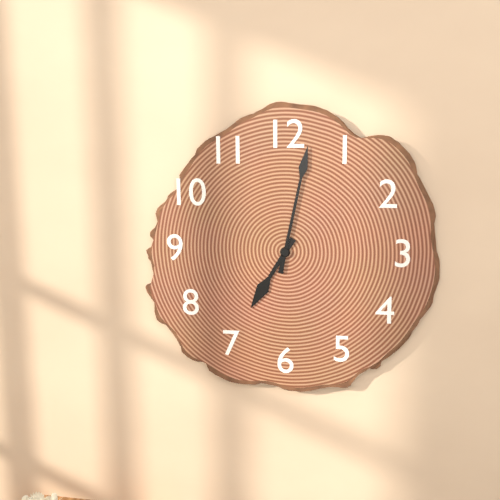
7:02
